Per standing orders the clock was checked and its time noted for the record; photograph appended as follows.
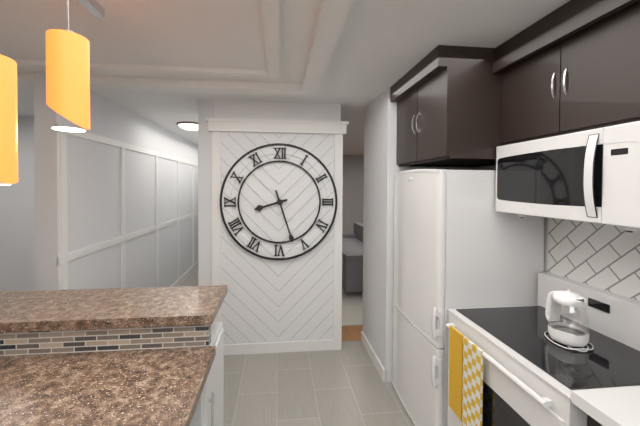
8:27
